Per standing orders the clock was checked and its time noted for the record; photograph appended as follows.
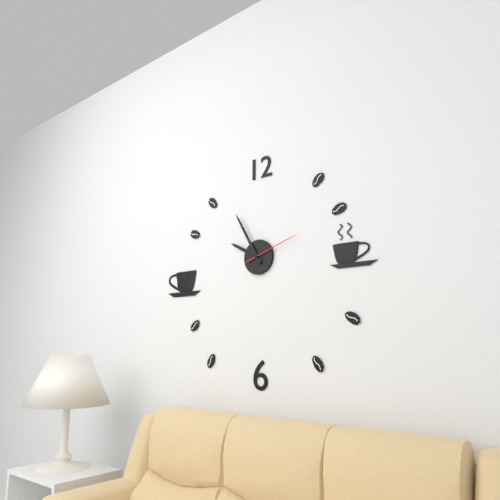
9:55:12
